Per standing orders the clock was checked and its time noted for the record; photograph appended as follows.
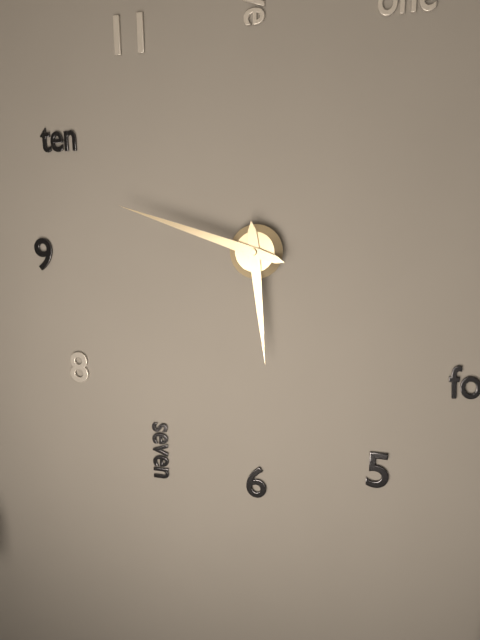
5:48
